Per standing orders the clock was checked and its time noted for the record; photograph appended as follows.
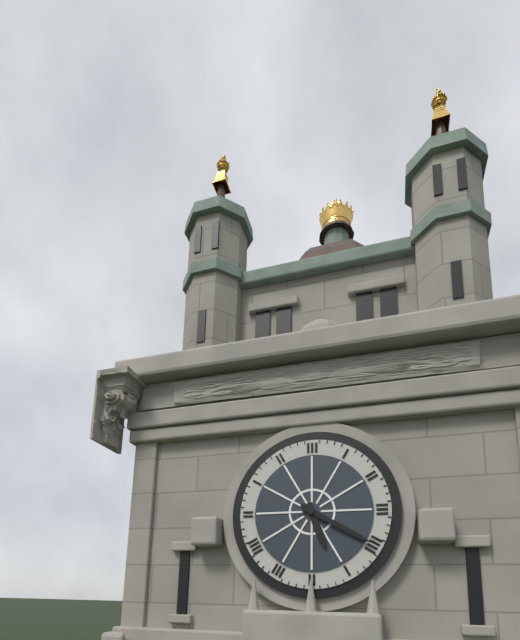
5:20
